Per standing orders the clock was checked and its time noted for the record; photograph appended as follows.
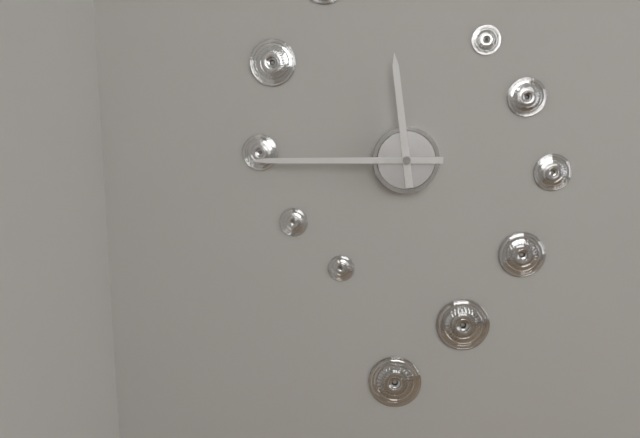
11:45
